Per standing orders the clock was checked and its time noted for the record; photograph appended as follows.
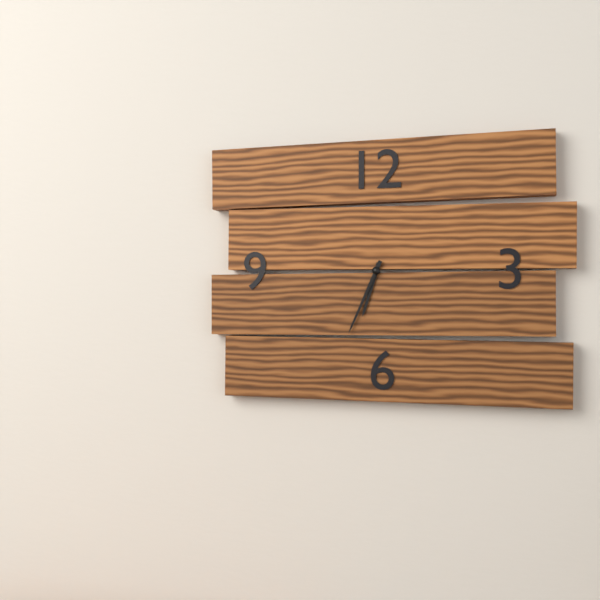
6:34
